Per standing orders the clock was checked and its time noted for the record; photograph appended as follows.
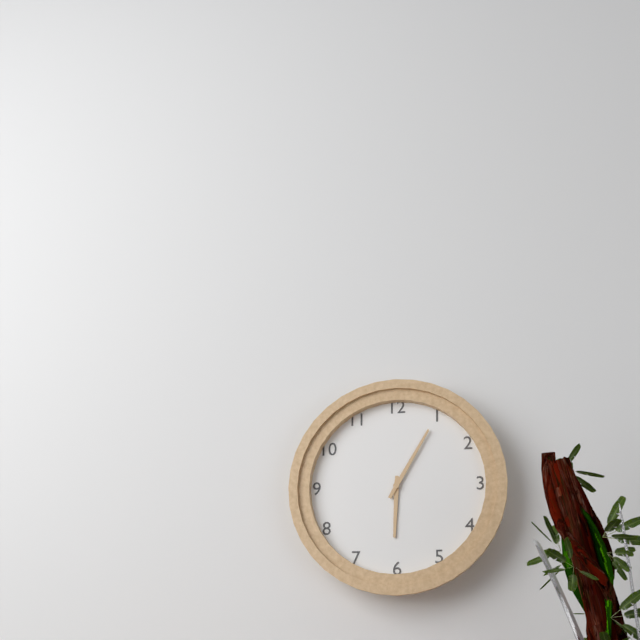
6:05
